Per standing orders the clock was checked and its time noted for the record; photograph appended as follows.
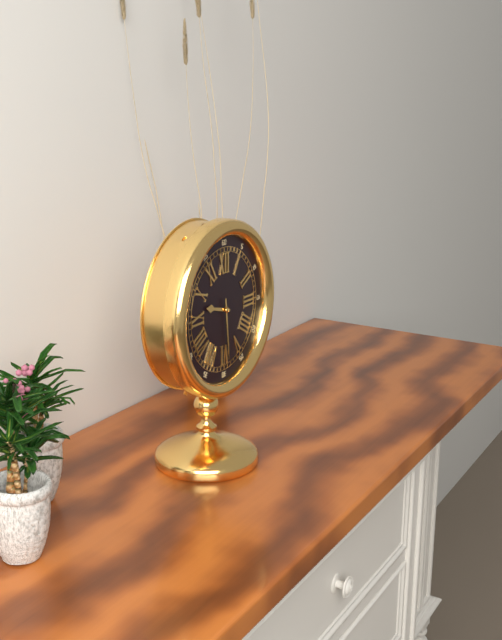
9:29
